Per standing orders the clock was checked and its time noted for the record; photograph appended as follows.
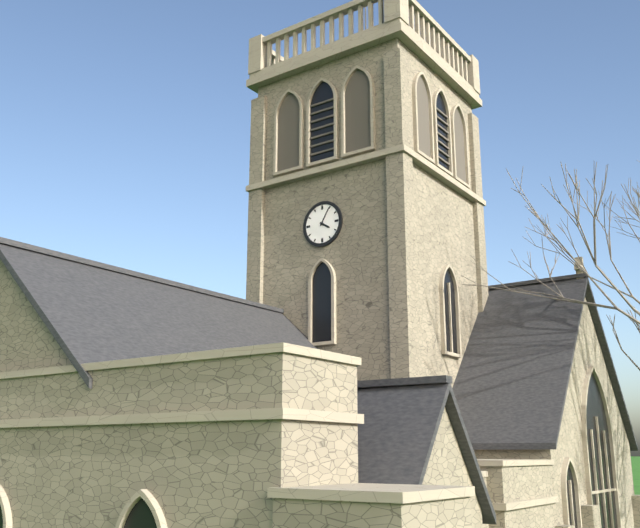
4:05
